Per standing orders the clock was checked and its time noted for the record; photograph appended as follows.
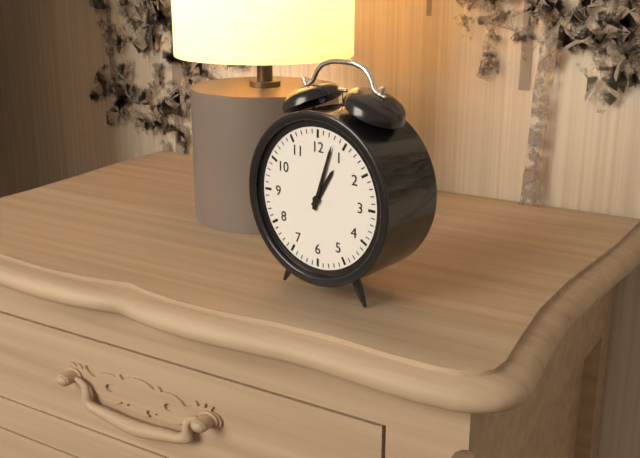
1:03
